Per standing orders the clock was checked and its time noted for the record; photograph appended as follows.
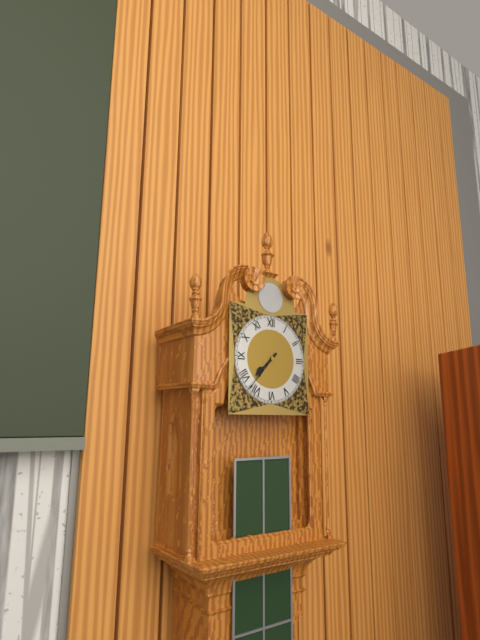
7:37
